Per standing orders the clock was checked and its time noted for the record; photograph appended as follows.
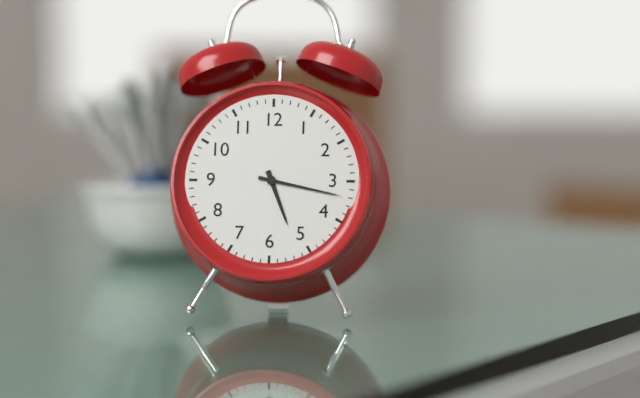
5:17
